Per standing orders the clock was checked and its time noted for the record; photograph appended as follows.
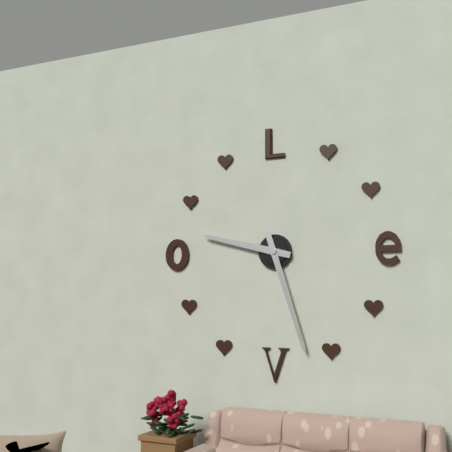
9:27
